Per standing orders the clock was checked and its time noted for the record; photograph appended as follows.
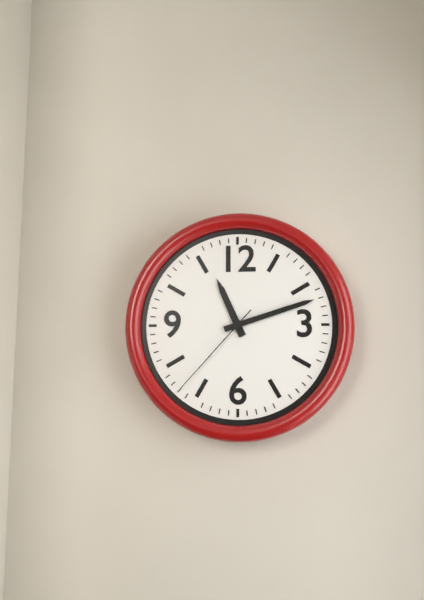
11:12:37
